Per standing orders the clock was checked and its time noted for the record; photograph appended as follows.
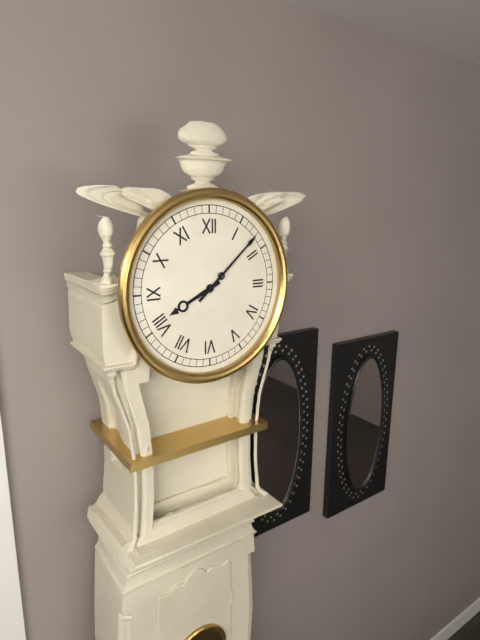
8:08
